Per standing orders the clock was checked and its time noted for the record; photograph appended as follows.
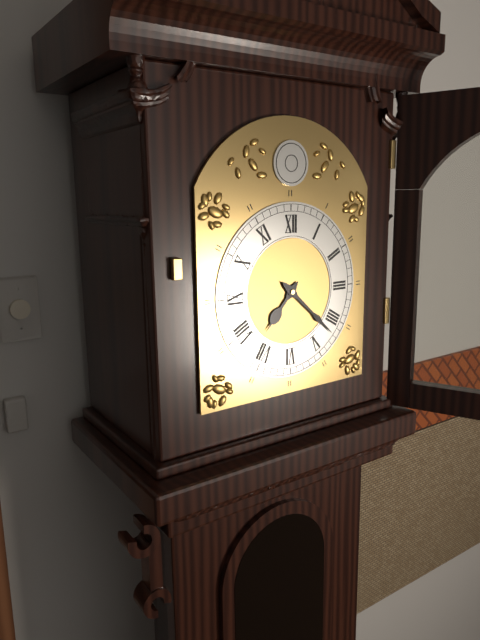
7:22
